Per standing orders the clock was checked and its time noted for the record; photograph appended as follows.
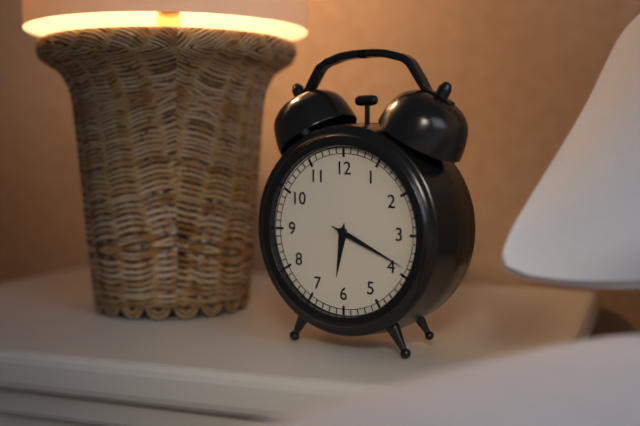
6:19
